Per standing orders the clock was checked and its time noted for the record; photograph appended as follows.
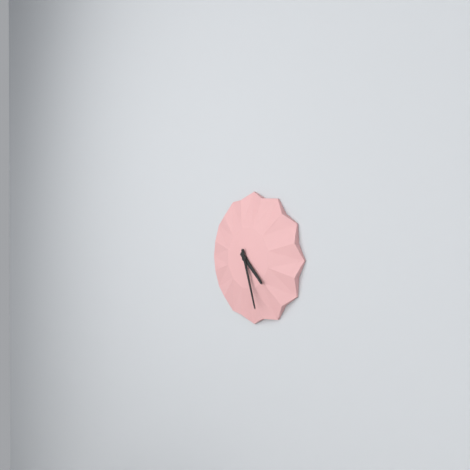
4:27
